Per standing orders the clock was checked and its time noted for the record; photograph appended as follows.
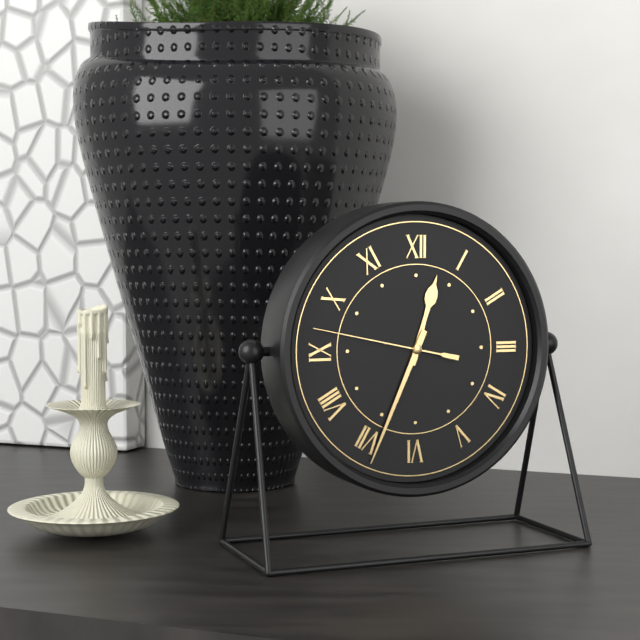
12:34:47
